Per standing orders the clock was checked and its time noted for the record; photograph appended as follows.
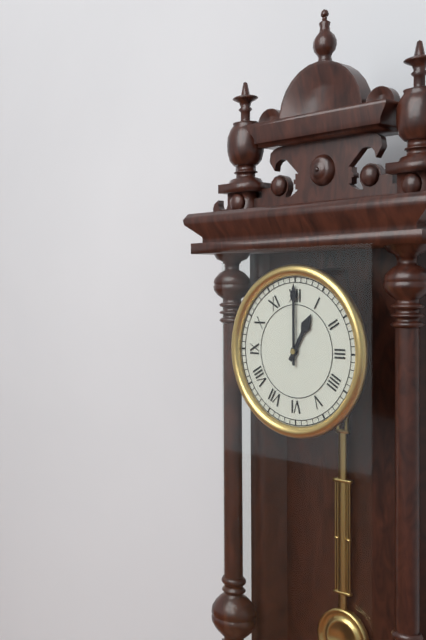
1:00
